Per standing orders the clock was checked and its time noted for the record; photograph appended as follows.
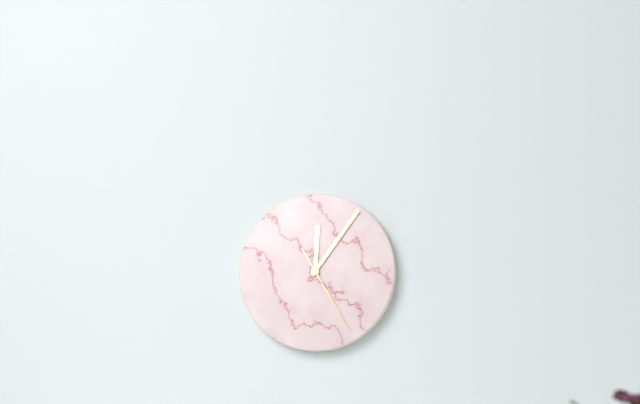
12:06:25
